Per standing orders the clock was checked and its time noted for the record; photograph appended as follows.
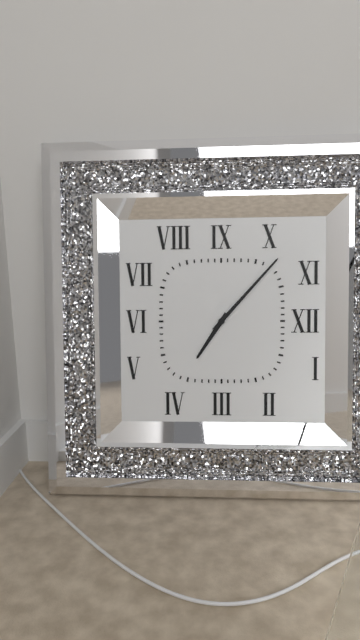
7:07
